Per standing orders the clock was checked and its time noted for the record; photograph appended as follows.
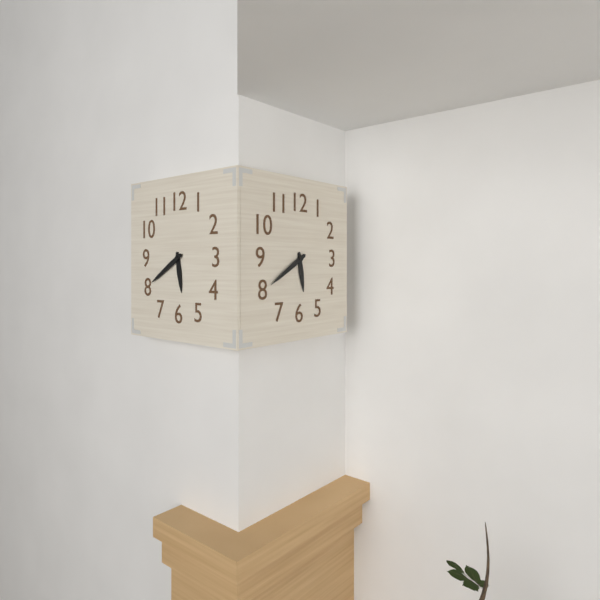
5:40
